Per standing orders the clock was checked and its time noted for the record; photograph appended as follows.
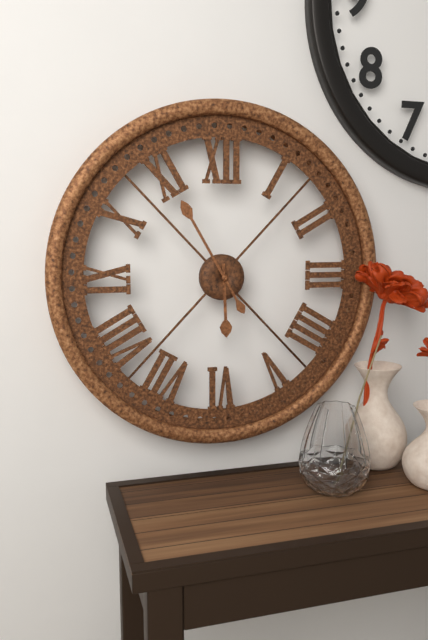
5:55
